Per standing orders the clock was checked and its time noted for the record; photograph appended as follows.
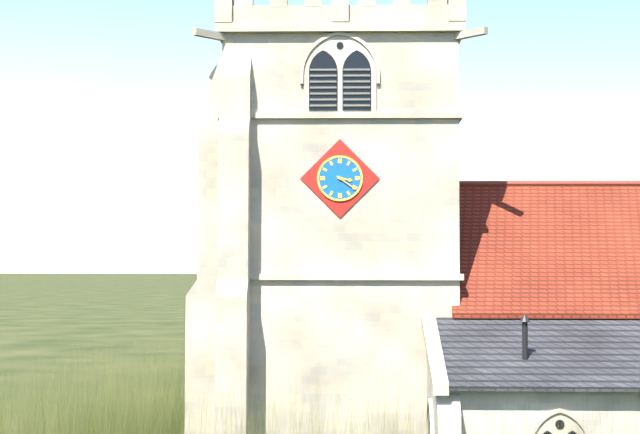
3:21
